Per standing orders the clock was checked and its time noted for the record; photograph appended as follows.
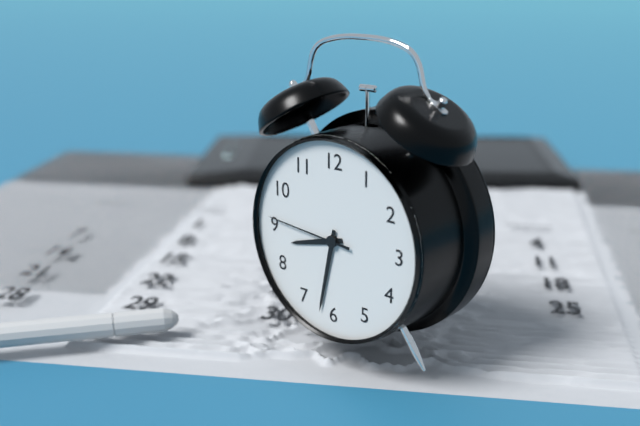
8:32:46
